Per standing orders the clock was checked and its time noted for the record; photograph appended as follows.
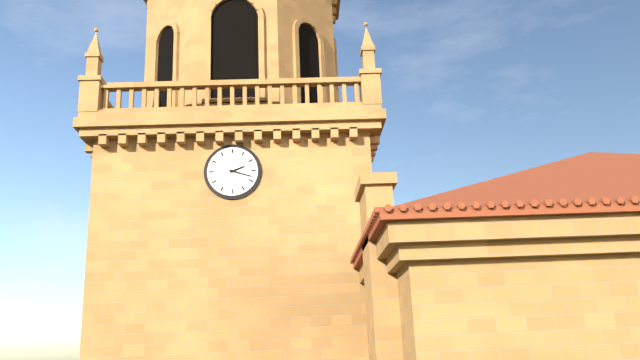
2:18
